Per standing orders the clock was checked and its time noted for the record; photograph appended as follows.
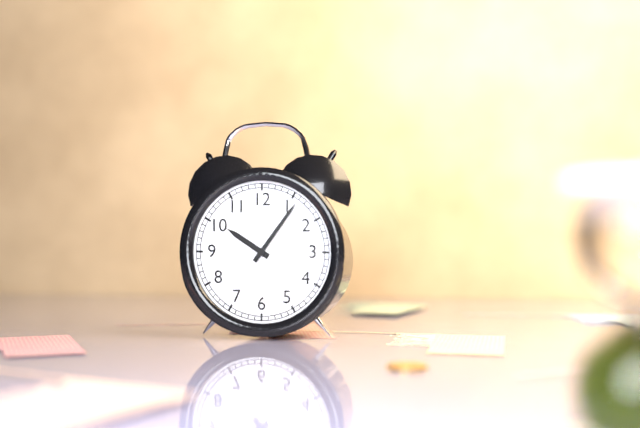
10:06
